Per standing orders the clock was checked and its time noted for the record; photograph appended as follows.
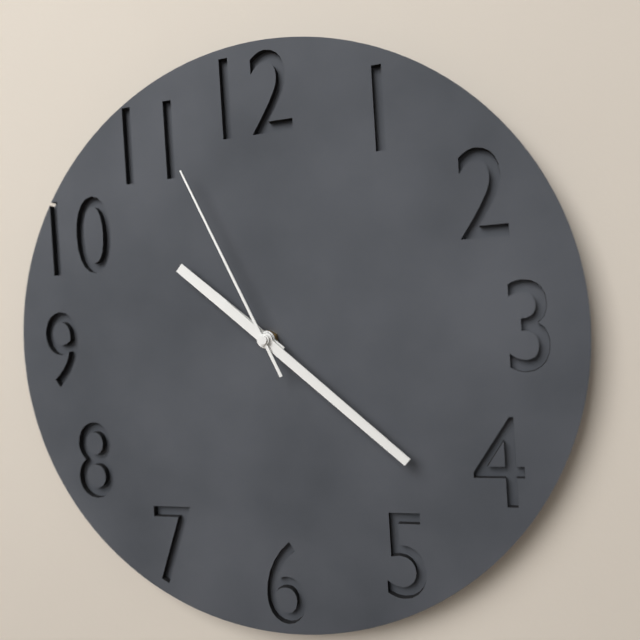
10:22:56
